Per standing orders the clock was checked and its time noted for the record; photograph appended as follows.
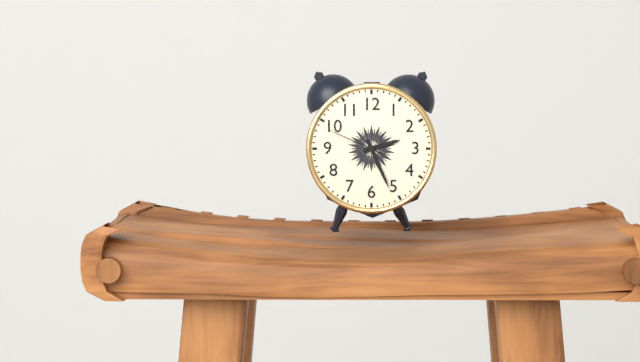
2:26:49
